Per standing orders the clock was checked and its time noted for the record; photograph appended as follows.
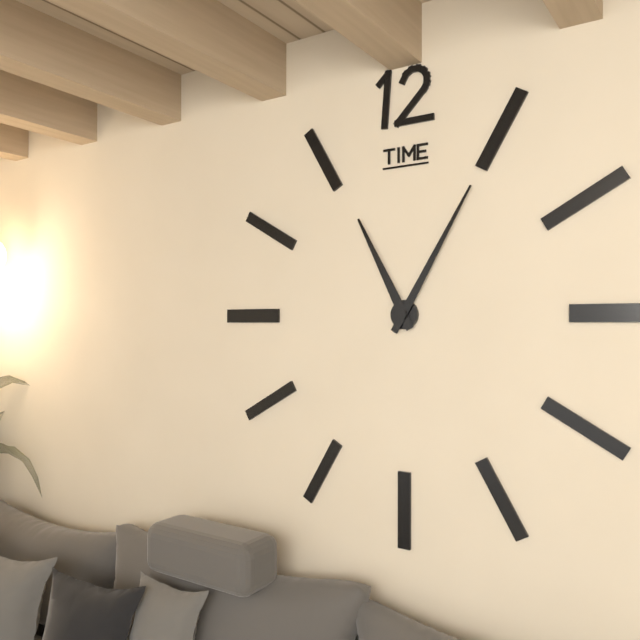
11:05
